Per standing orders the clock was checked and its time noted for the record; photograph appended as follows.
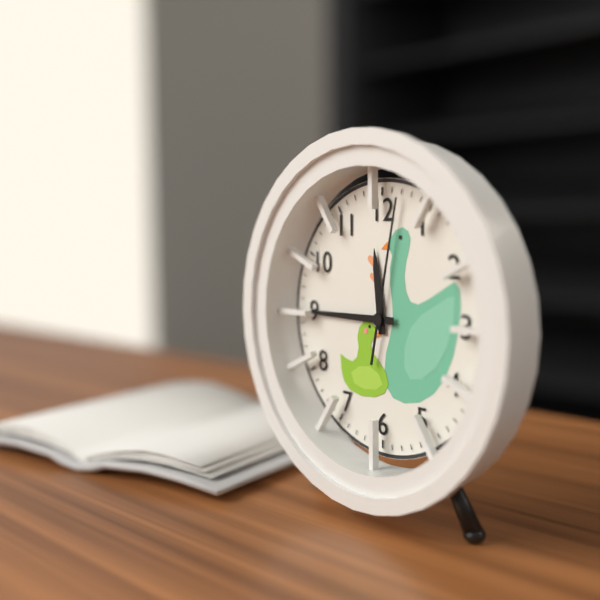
11:45:02
